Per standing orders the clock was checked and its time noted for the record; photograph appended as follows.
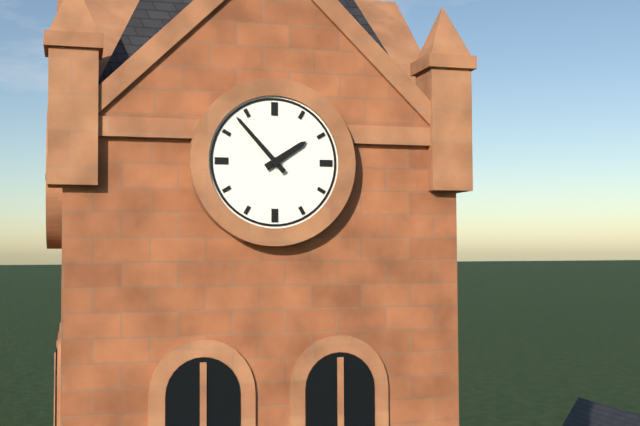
1:53
